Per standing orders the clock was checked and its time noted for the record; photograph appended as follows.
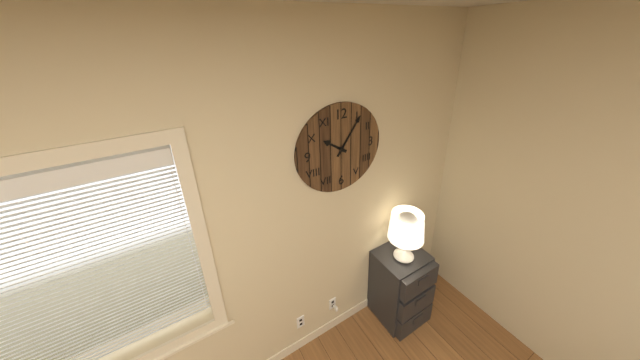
10:06
